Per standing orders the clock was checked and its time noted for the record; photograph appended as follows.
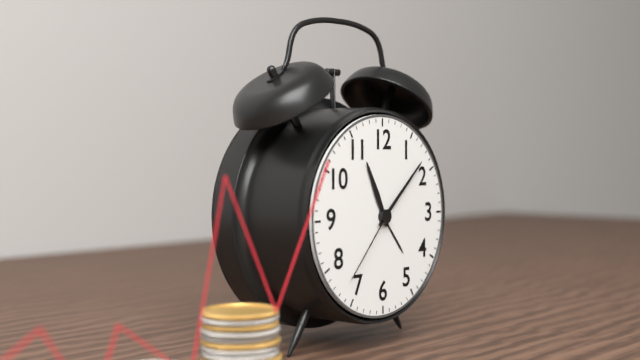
11:08:37
